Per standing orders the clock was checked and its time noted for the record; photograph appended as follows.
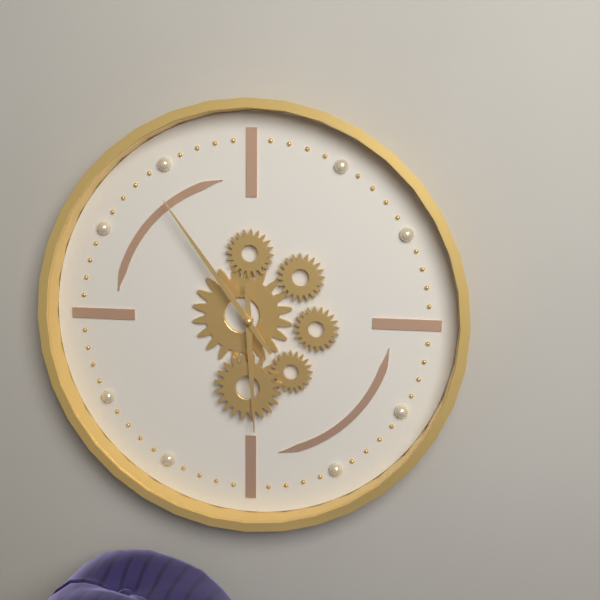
5:54
